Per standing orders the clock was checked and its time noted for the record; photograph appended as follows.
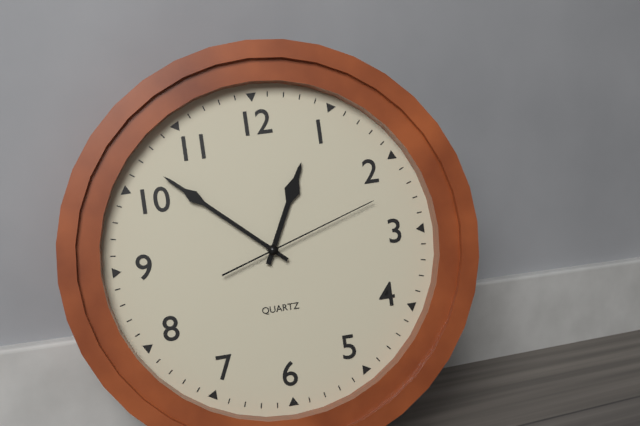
12:52:12
